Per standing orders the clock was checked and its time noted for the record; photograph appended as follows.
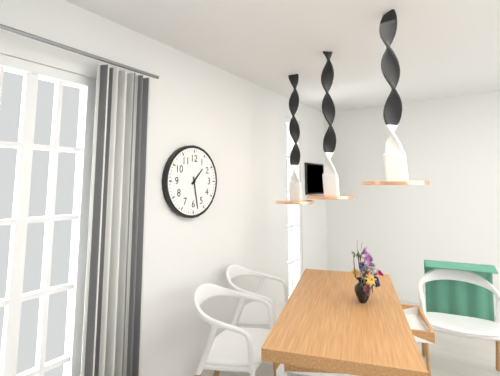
1:28
